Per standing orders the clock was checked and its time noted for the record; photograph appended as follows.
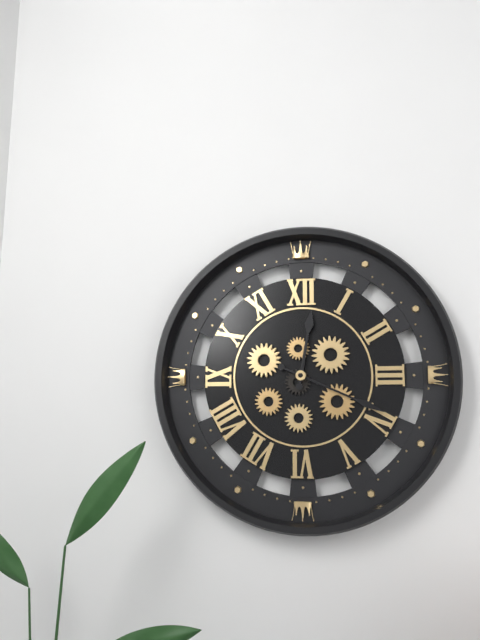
12:19
